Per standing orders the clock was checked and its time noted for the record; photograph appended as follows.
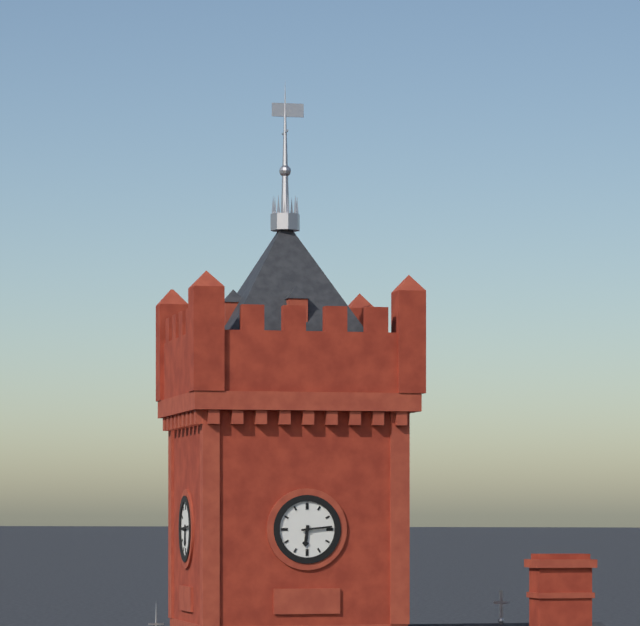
6:14
